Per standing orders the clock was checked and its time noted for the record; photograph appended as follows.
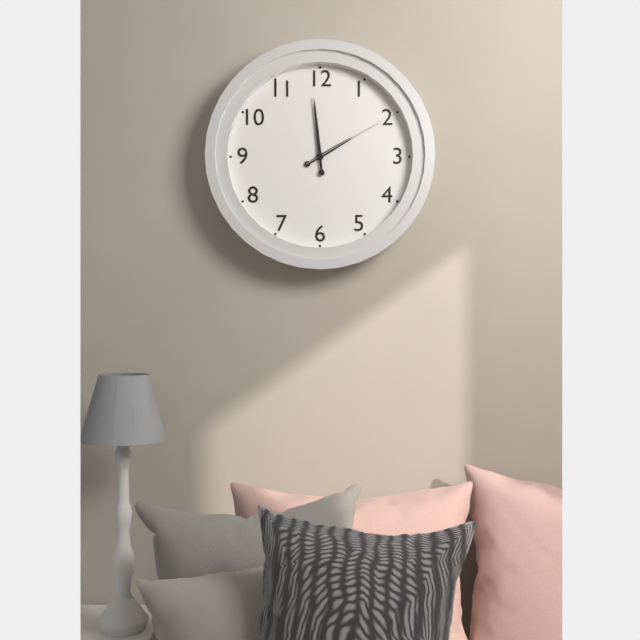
1:59:10
